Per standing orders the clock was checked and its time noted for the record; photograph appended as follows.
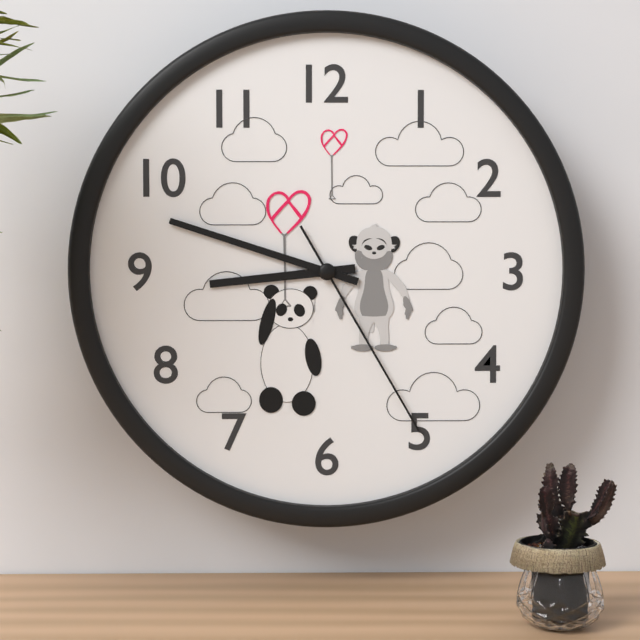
8:48:25
